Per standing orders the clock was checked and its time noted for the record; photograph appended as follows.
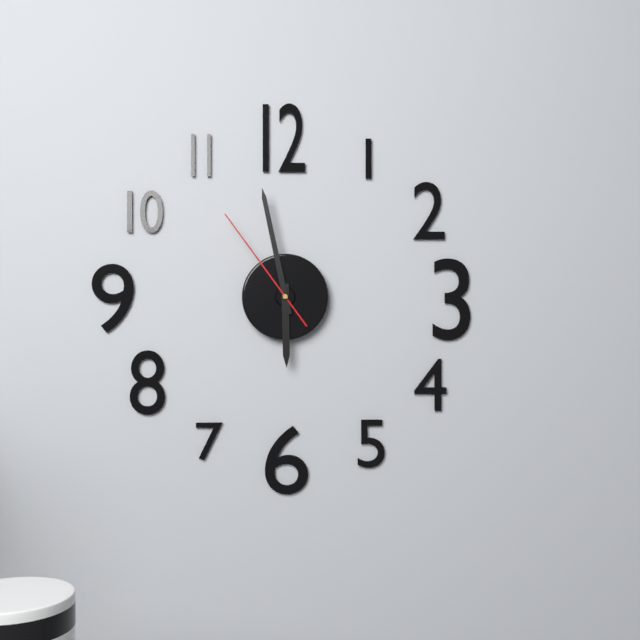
5:58:54
